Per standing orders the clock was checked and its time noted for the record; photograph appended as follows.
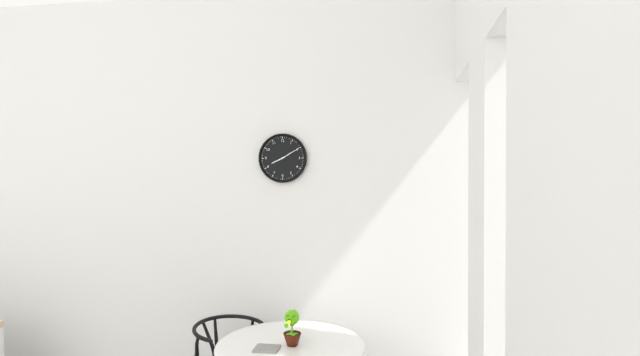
8:10
